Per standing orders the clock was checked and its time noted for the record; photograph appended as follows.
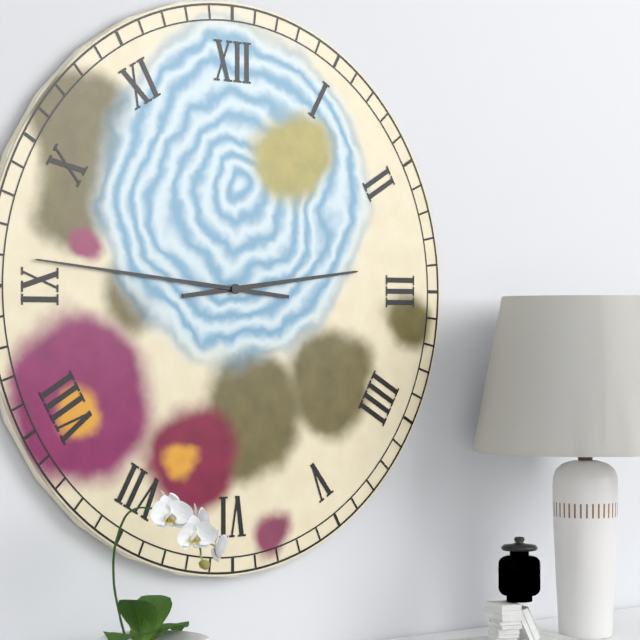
2:46
